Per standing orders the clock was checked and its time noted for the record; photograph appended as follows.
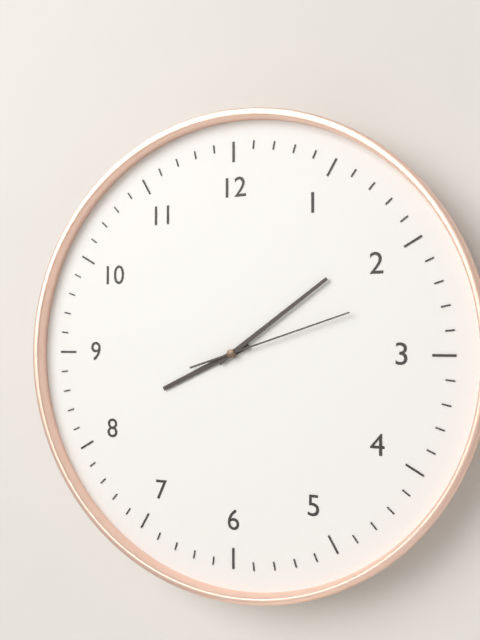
8:09:12
